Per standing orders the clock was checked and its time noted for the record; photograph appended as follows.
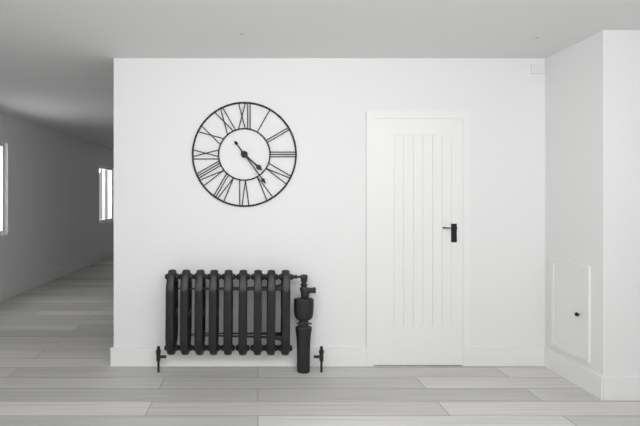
4:24
